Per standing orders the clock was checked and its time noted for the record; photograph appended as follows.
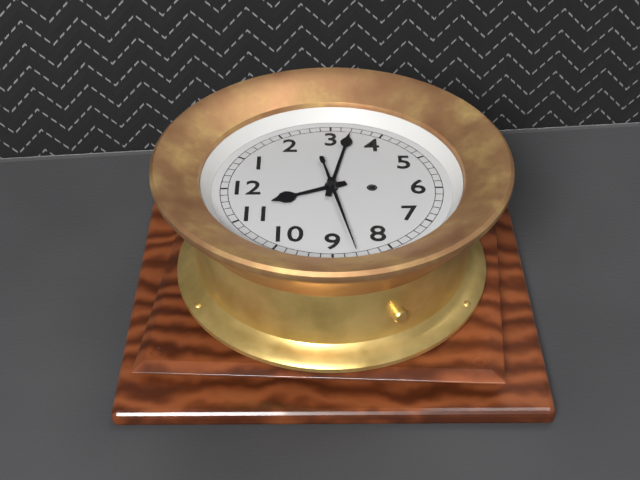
11:17:43
